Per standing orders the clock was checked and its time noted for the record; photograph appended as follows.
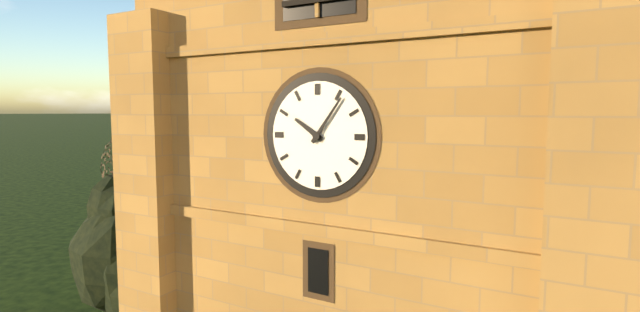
10:06
